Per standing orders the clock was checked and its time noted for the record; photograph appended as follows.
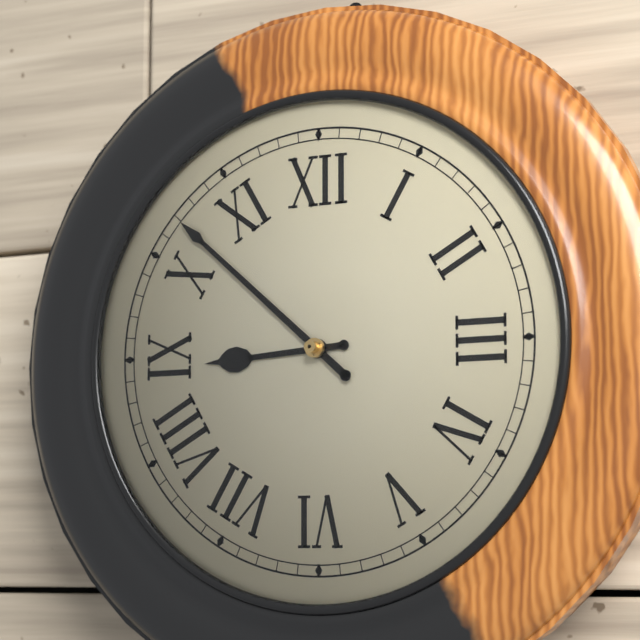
8:52
